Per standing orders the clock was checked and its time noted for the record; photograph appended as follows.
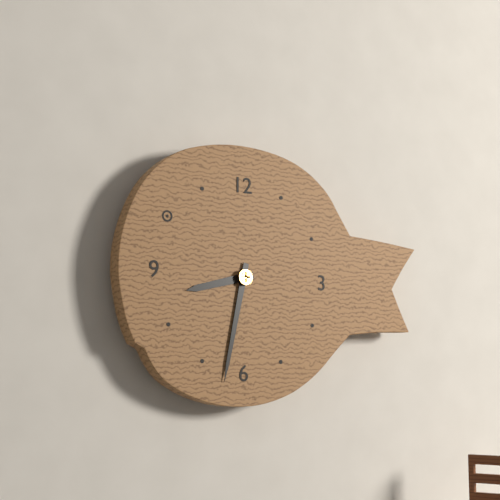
8:32
